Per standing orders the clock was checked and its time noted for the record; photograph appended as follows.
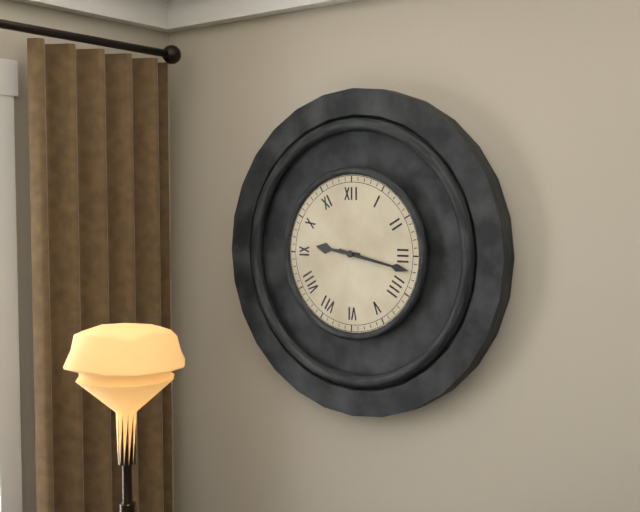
9:17
